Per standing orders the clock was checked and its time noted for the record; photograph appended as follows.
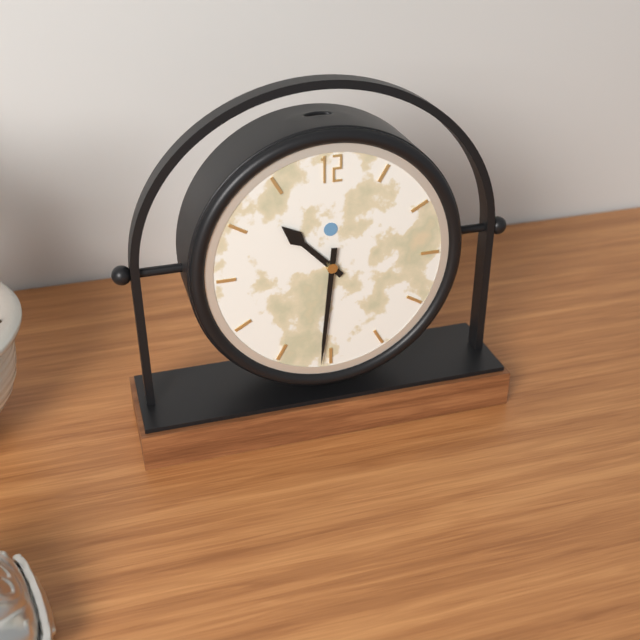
10:31
